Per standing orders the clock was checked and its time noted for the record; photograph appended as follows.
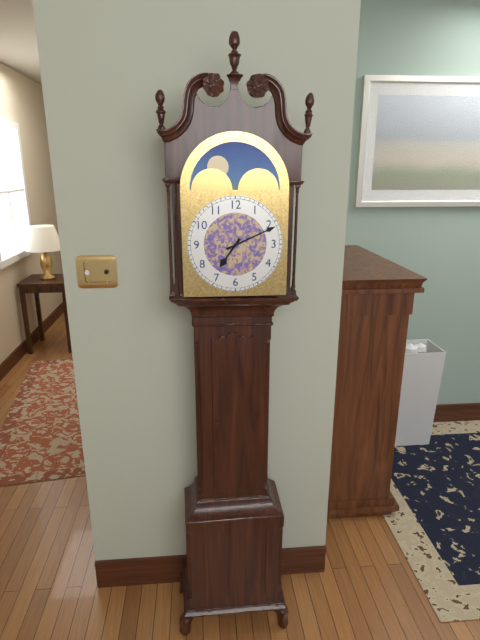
7:11
